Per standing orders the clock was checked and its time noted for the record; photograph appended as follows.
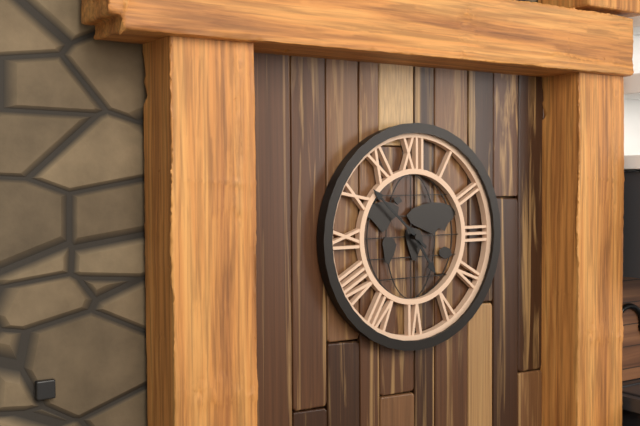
4:52
